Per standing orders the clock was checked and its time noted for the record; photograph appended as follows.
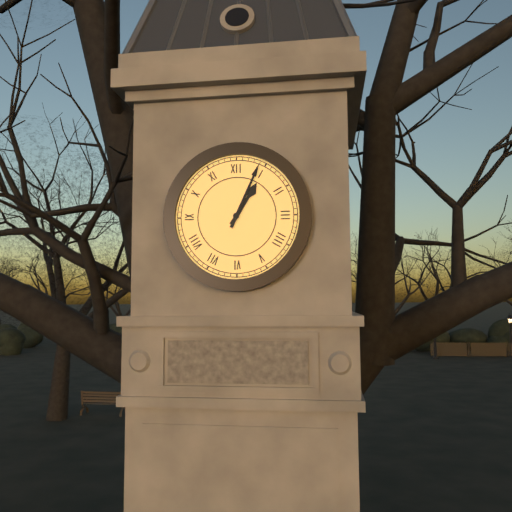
1:04
